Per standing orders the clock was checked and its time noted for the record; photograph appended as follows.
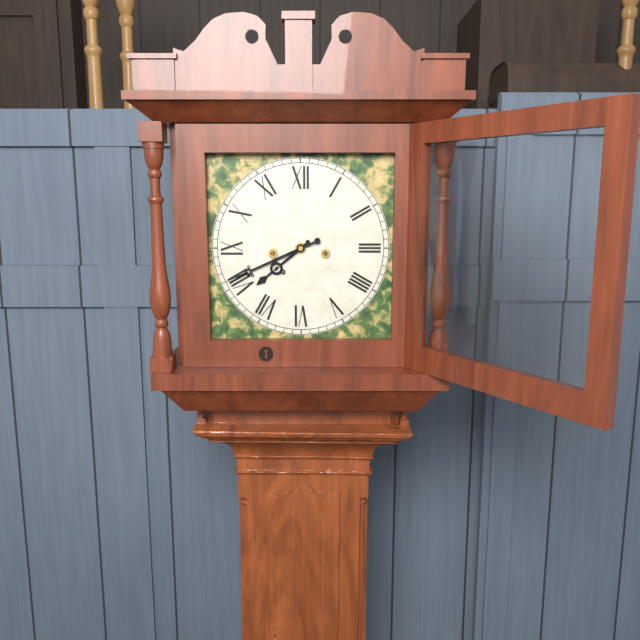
7:41
